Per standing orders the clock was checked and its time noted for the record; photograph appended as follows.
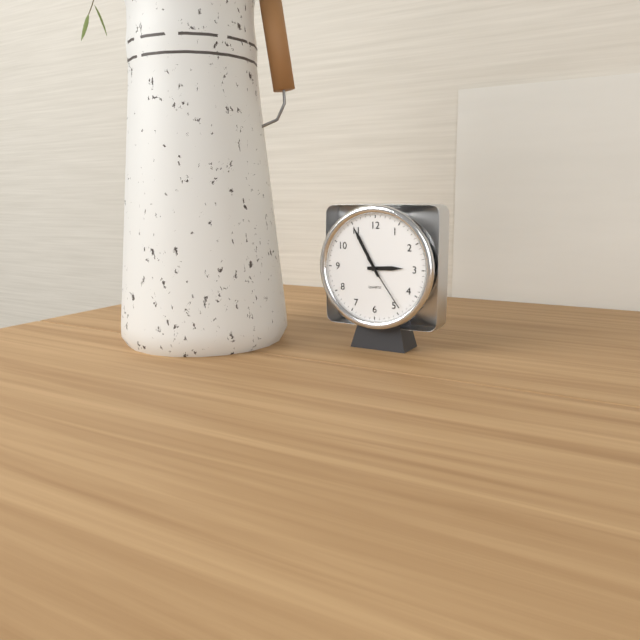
2:55:24
